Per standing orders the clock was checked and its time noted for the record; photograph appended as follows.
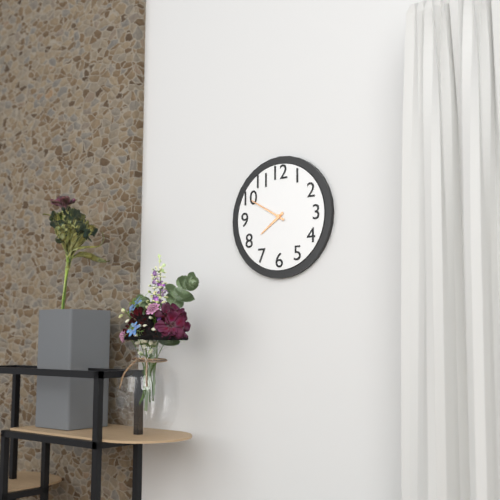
7:50
